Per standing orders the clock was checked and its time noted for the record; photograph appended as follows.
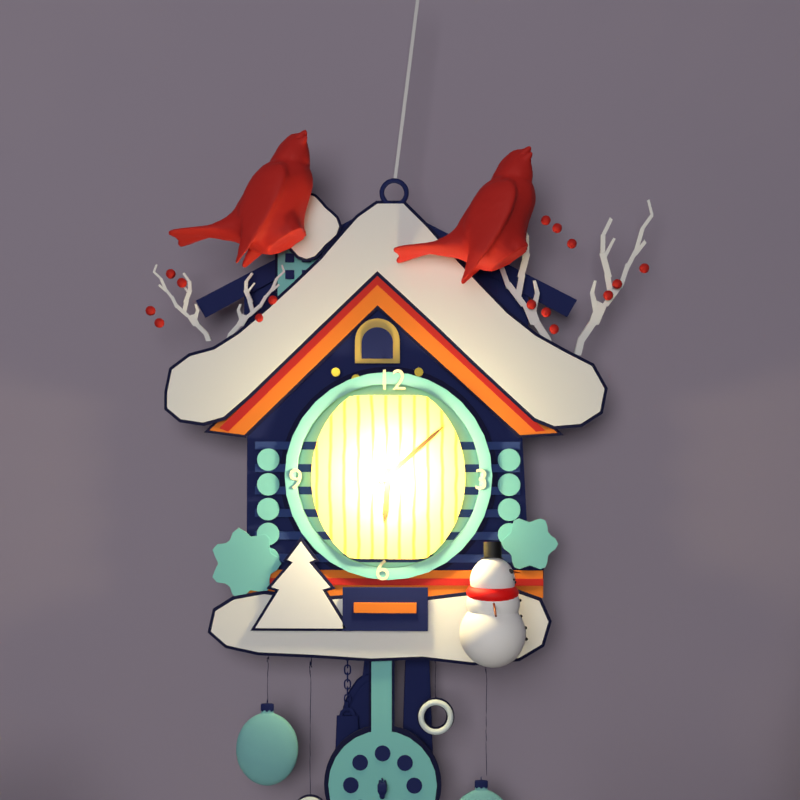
6:08
